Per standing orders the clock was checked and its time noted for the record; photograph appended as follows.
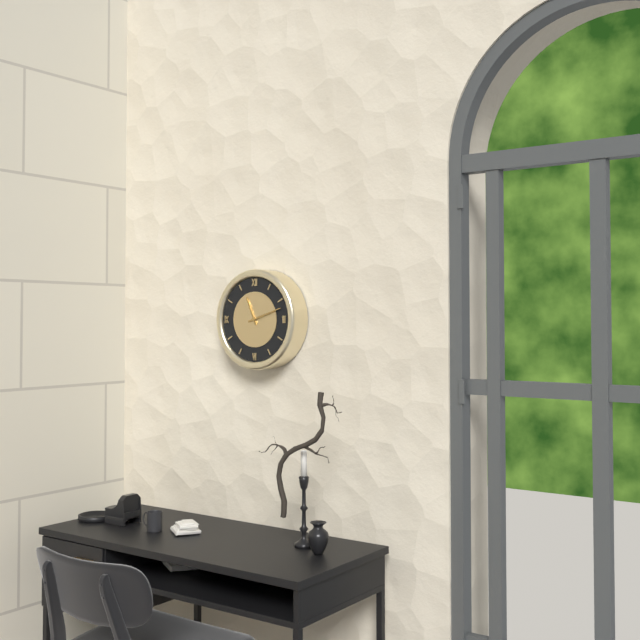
11:12
